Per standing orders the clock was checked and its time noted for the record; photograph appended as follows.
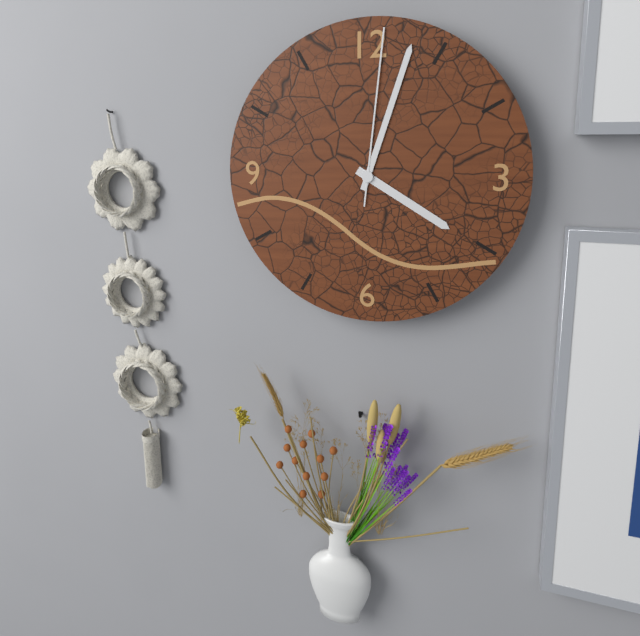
4:03:01
